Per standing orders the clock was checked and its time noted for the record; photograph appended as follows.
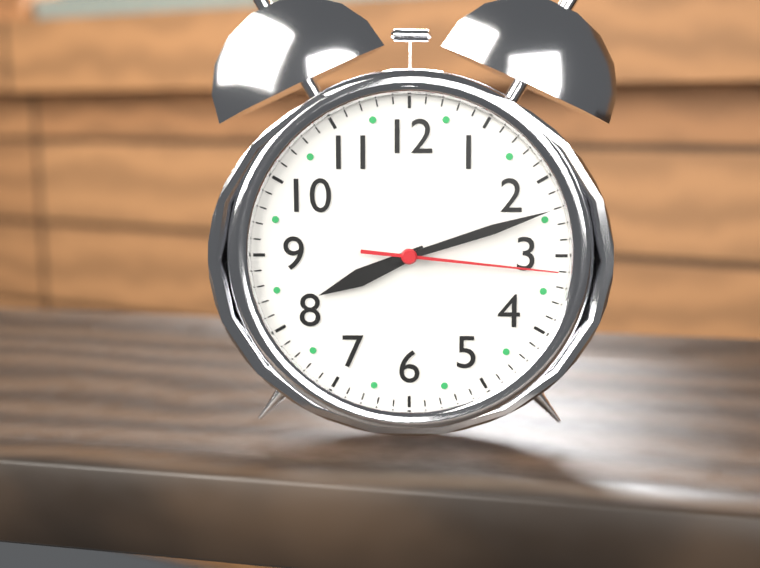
8:12:16
